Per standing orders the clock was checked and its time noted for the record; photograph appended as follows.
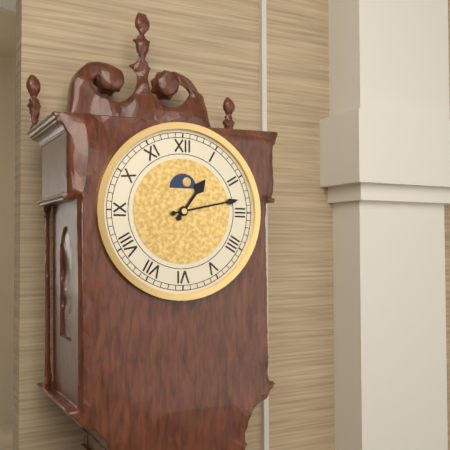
1:13
